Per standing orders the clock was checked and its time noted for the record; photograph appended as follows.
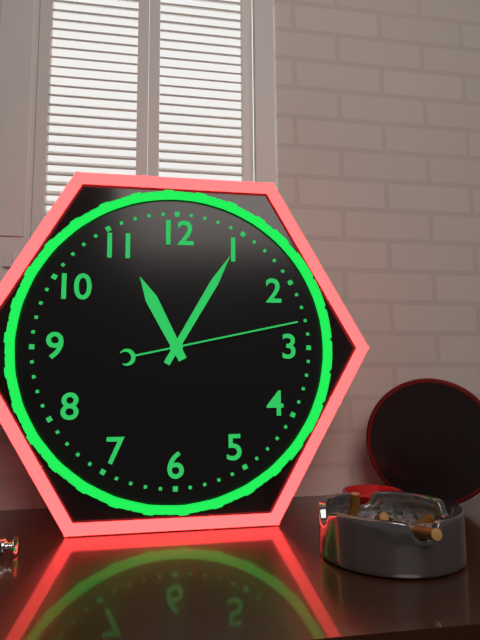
11:05:13
